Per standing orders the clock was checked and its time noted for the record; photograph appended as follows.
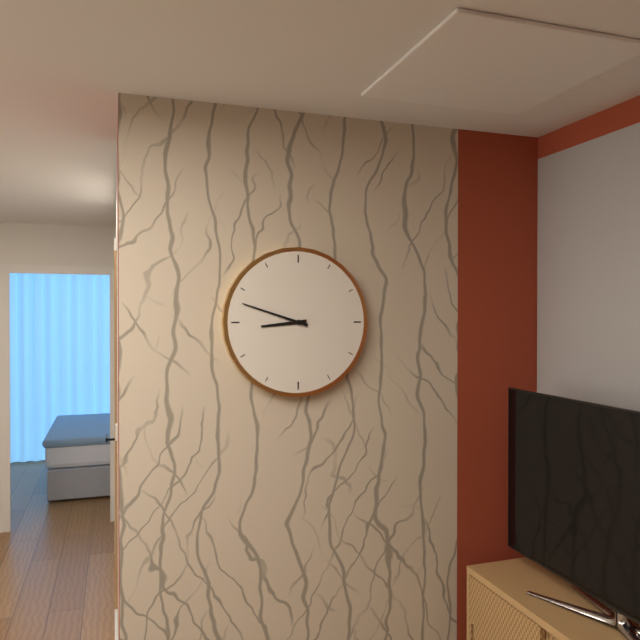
8:48
